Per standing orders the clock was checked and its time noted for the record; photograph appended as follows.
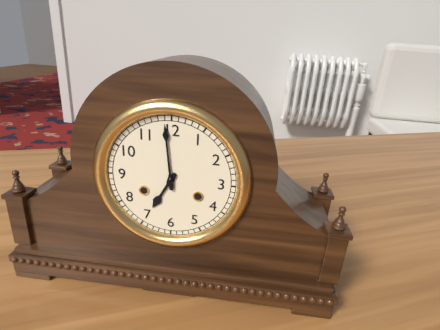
6:59
